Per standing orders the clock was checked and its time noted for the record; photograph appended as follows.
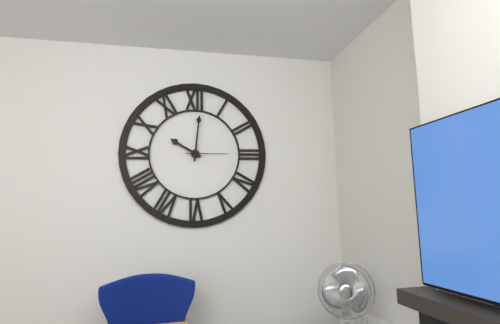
10:01
